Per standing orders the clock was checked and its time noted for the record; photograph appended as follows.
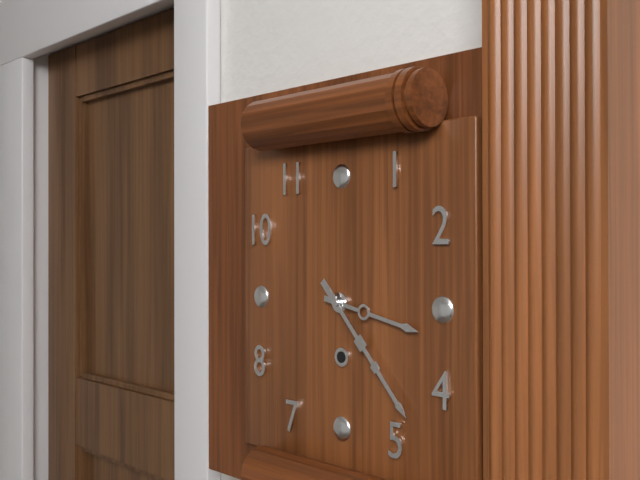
3:23
